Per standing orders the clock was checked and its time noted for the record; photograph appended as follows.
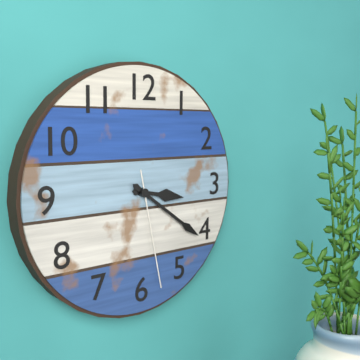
3:21:28
